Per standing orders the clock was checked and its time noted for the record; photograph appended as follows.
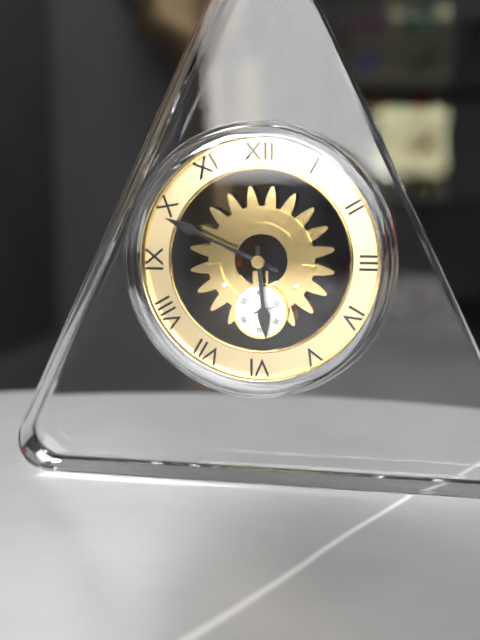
5:49
